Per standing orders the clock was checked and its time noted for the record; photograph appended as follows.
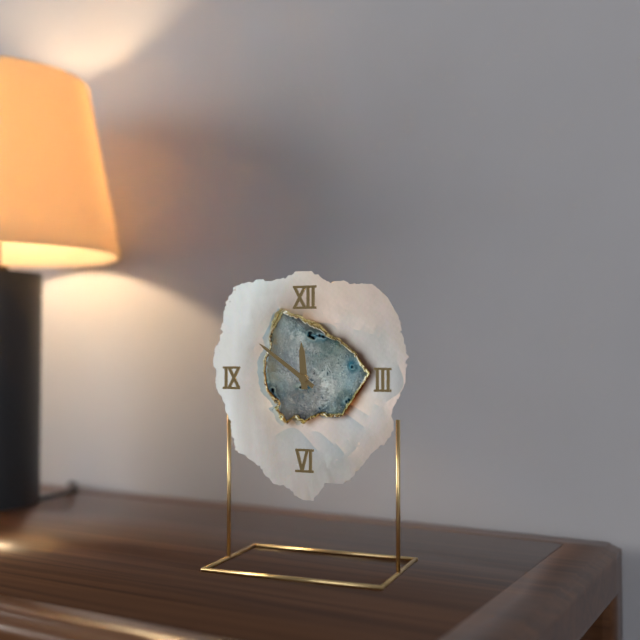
11:51
